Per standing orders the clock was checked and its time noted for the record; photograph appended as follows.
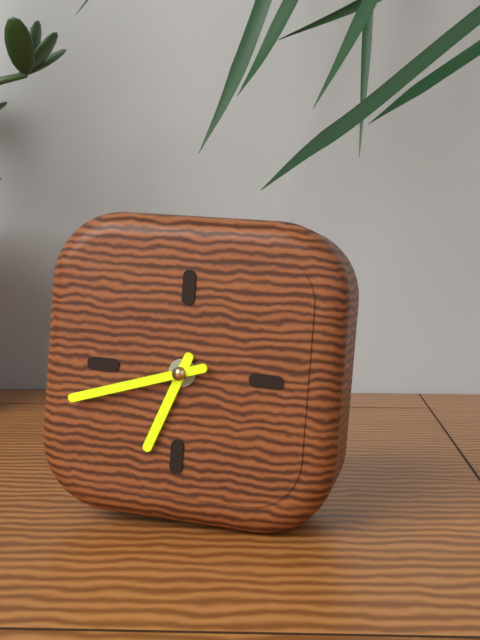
6:42
